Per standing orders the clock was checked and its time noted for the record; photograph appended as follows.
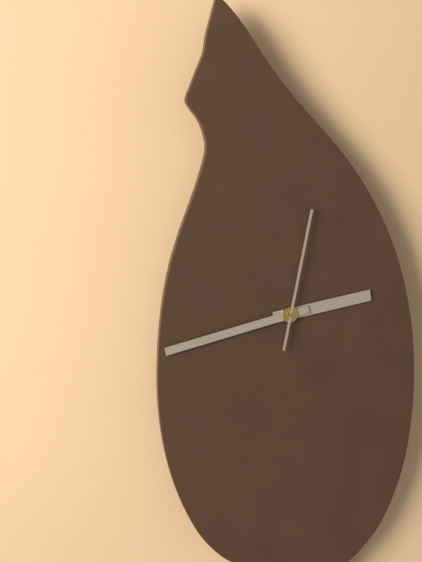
2:43:02
